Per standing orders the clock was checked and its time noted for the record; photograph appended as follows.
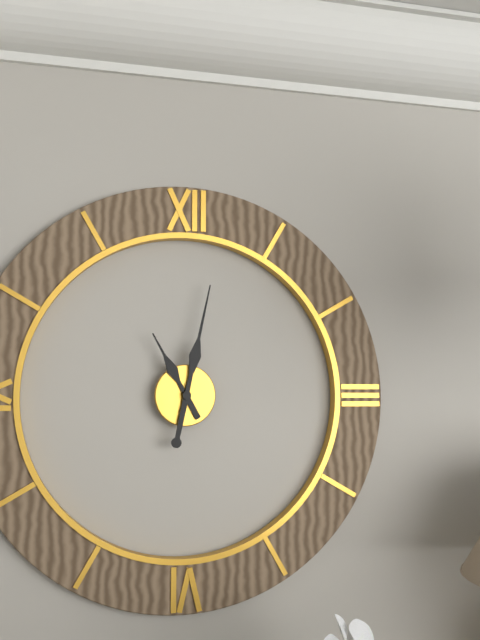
11:02
